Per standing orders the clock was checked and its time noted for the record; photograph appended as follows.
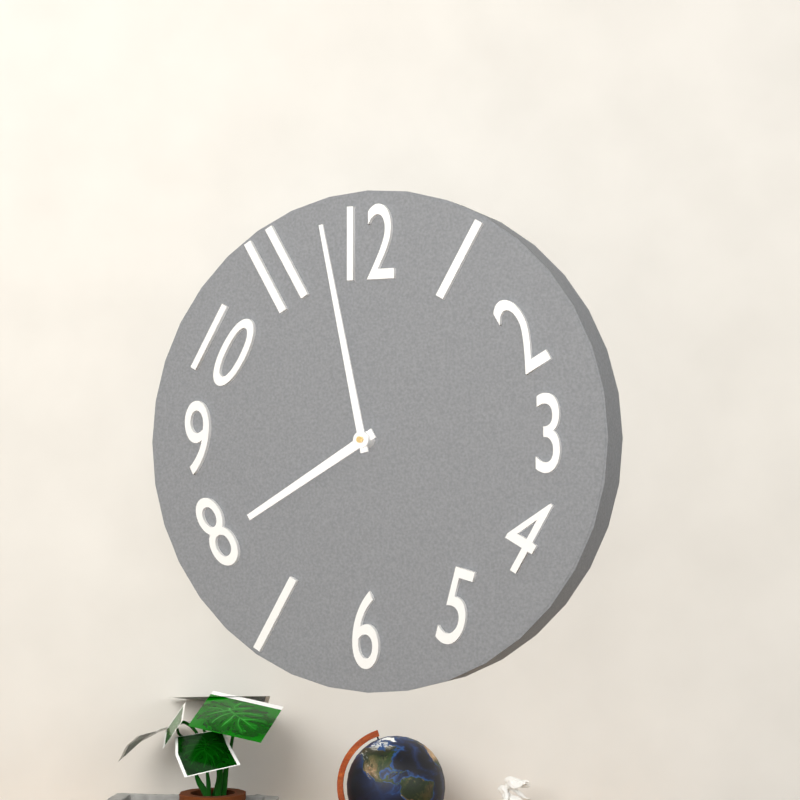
7:58
